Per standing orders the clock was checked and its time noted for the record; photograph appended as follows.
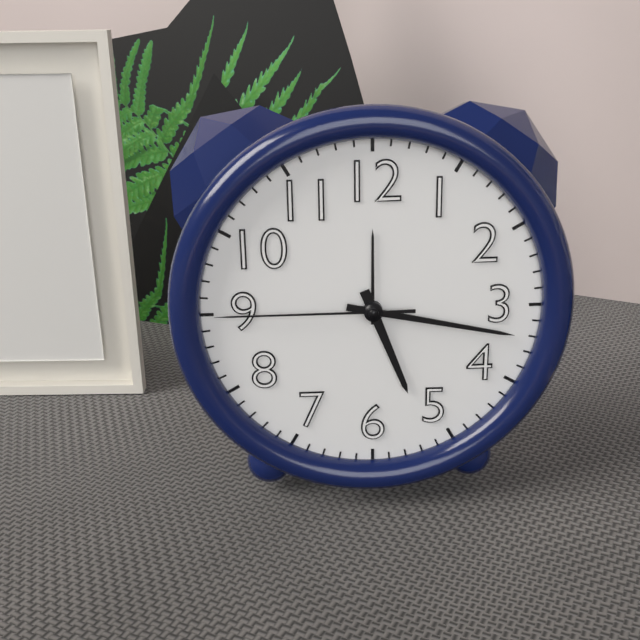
5:17:45
